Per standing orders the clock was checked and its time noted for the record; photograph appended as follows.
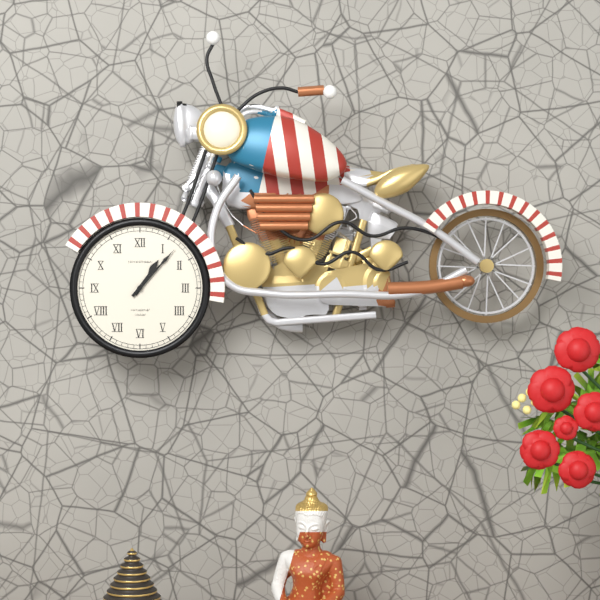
1:07
